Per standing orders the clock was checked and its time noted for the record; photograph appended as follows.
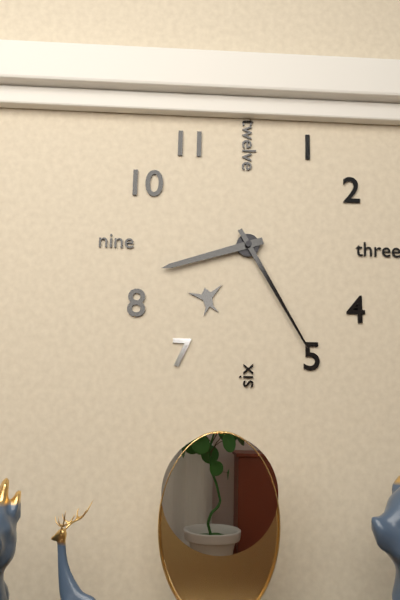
8:25
